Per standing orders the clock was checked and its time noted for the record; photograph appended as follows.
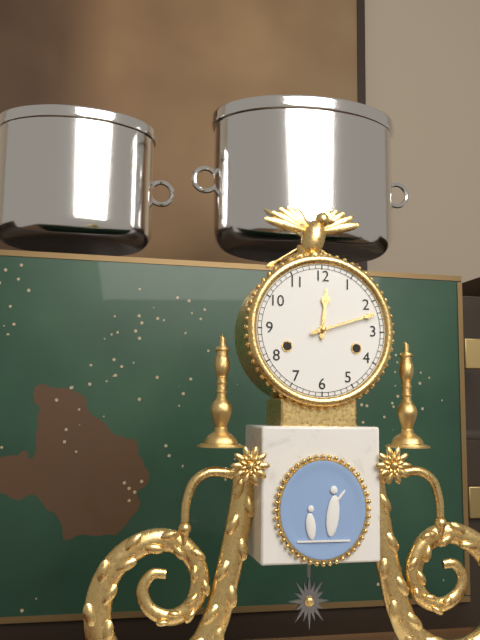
12:12
